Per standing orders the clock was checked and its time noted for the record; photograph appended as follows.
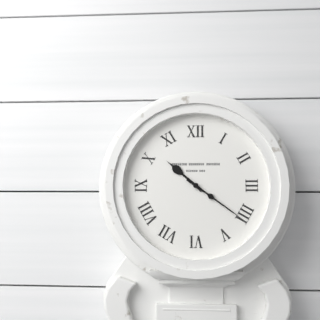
10:21
